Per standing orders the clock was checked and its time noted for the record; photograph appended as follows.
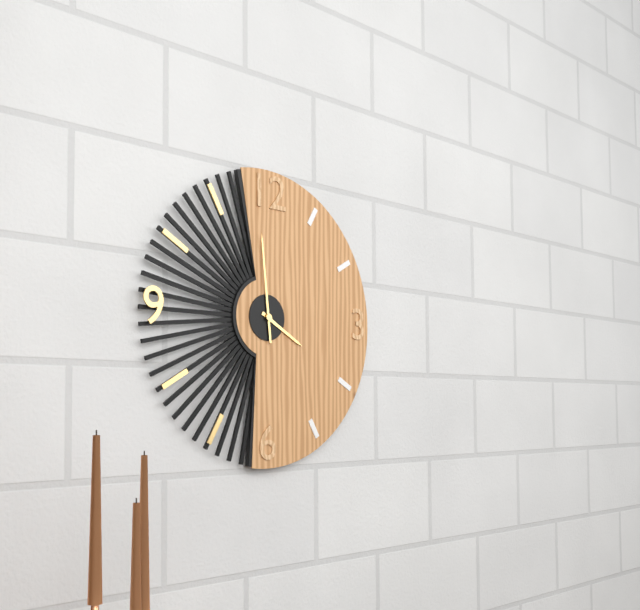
3:59
